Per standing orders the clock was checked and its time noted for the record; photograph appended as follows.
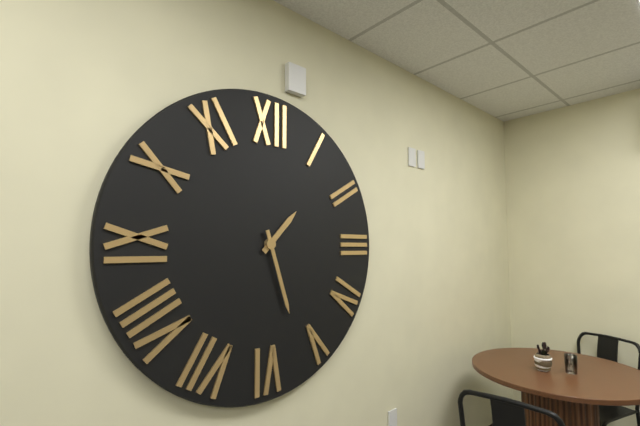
1:27
